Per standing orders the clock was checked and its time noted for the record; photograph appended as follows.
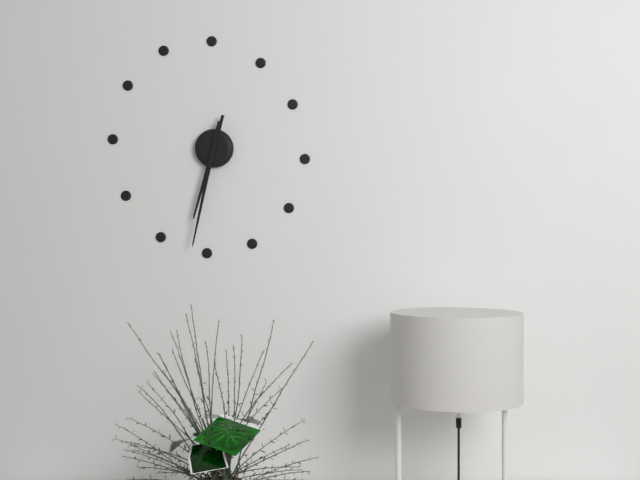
6:32
